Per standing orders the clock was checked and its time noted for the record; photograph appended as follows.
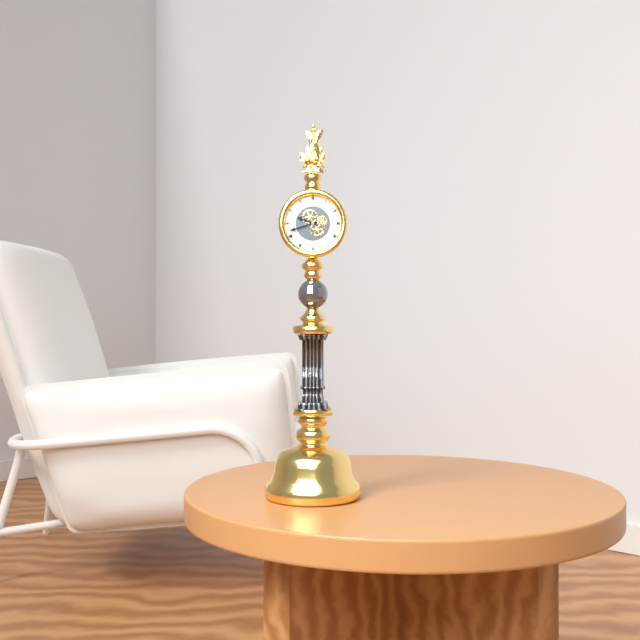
9:42
